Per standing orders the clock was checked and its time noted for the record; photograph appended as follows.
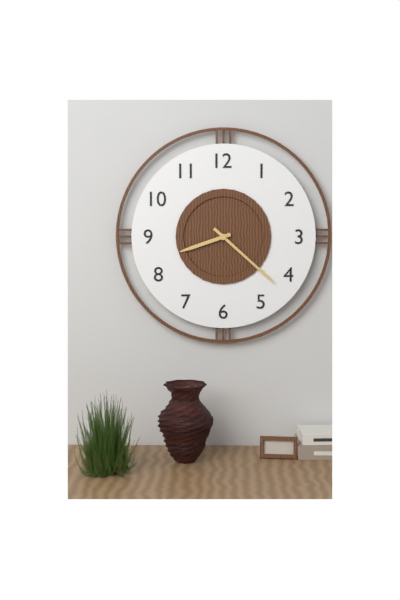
8:22
